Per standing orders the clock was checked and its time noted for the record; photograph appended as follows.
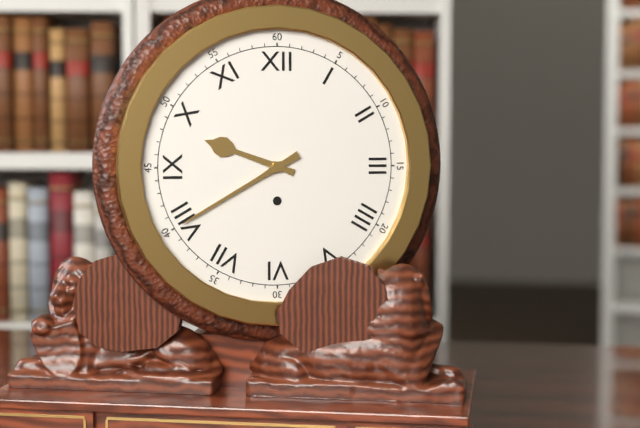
9:40
